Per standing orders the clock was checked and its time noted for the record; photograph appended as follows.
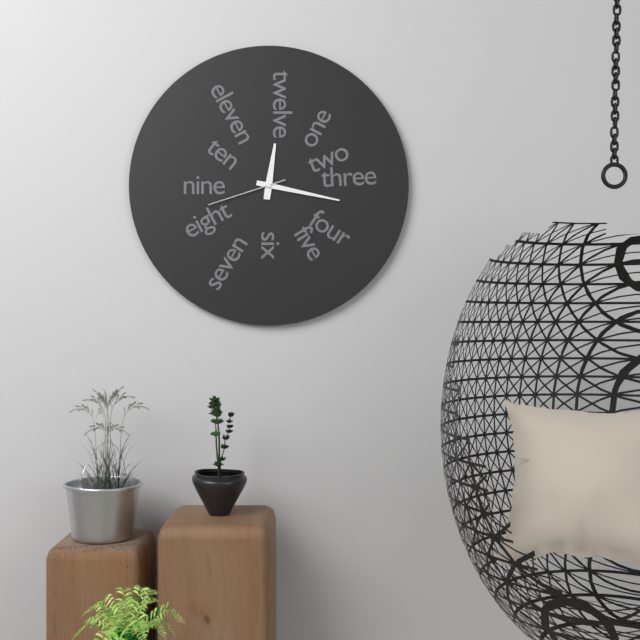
12:17:42
